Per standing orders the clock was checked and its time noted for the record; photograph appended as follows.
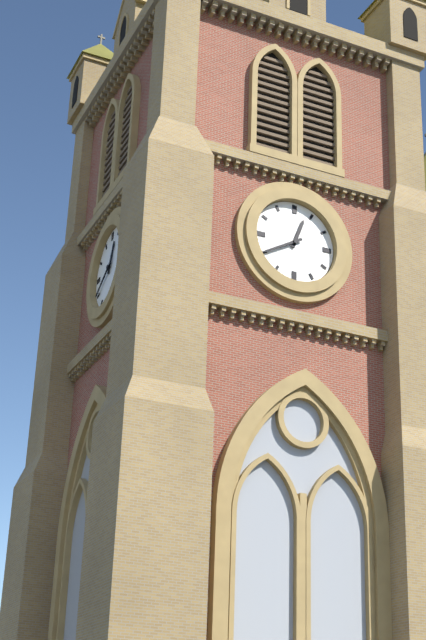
12:40
